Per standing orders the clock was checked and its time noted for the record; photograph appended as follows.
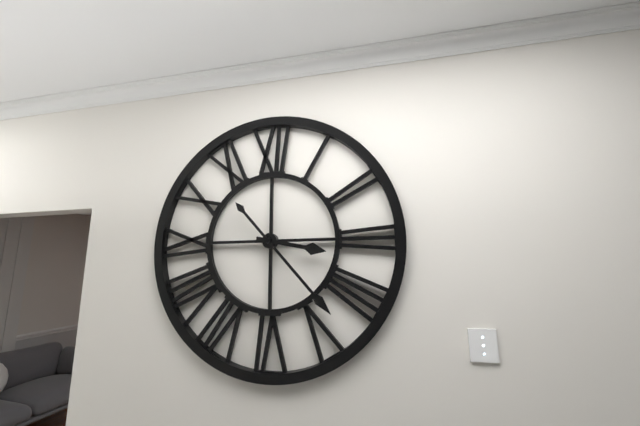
3:23
